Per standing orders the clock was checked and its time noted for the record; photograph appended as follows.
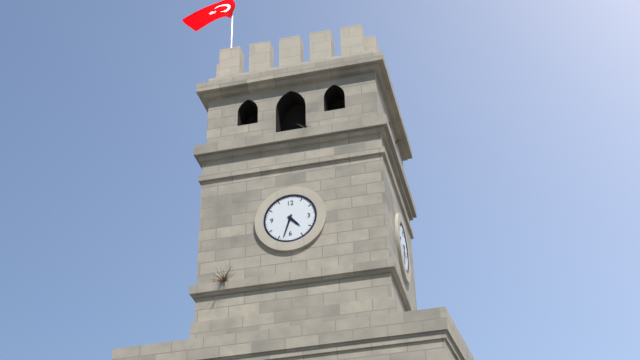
4:33
